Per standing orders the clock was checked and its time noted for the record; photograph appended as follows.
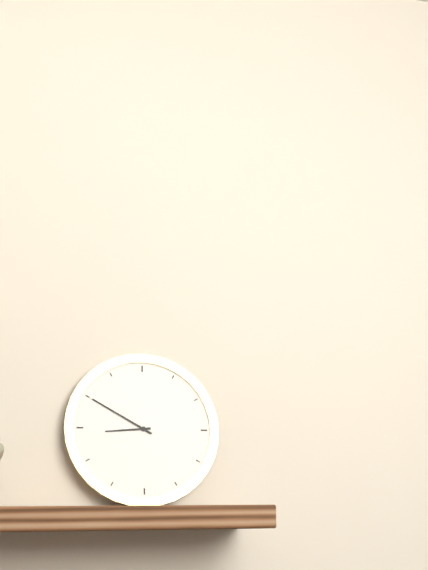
8:50
